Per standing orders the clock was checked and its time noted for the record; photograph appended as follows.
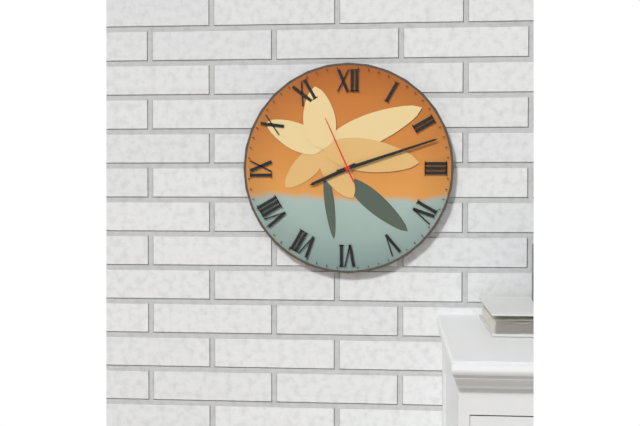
8:12:56
